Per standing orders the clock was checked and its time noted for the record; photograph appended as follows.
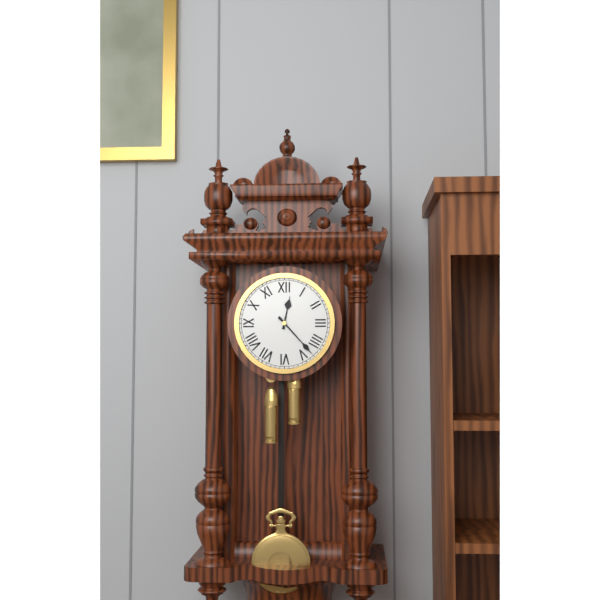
12:23
